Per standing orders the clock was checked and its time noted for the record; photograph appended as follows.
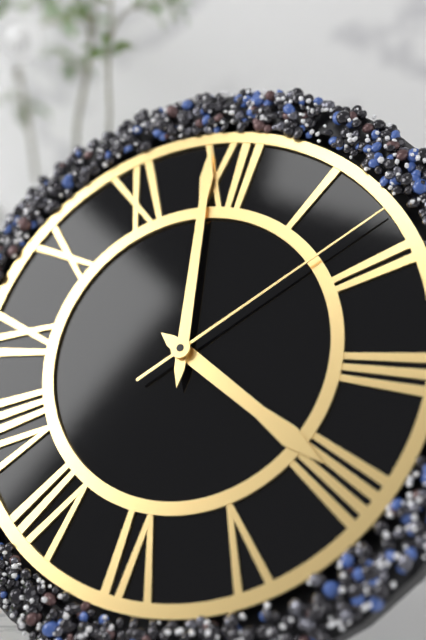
3:59:08
